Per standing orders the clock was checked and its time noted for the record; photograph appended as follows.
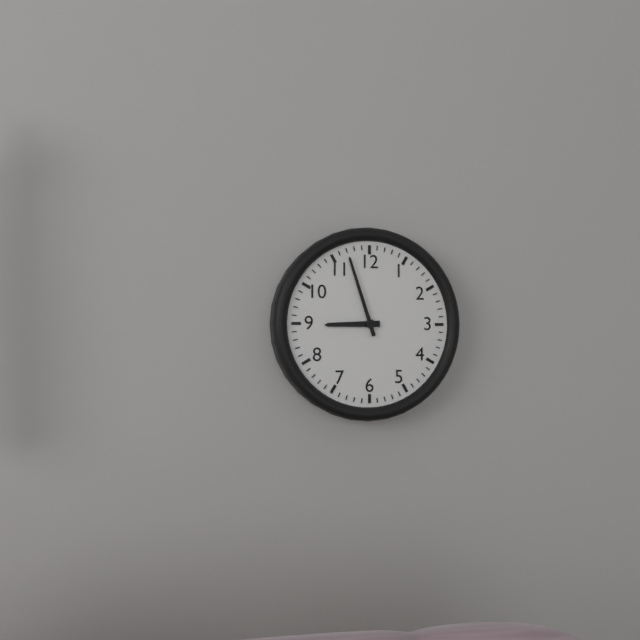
8:57
